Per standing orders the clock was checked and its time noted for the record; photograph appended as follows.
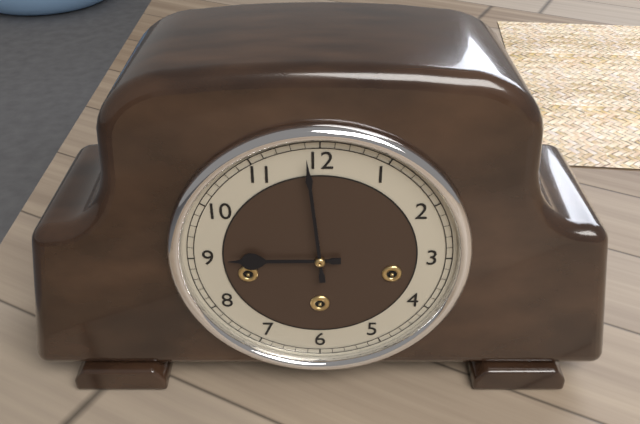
8:59
